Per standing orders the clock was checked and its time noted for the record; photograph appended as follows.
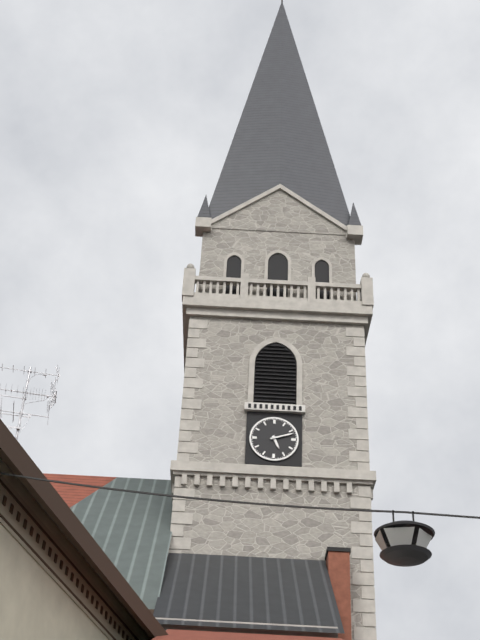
5:12
